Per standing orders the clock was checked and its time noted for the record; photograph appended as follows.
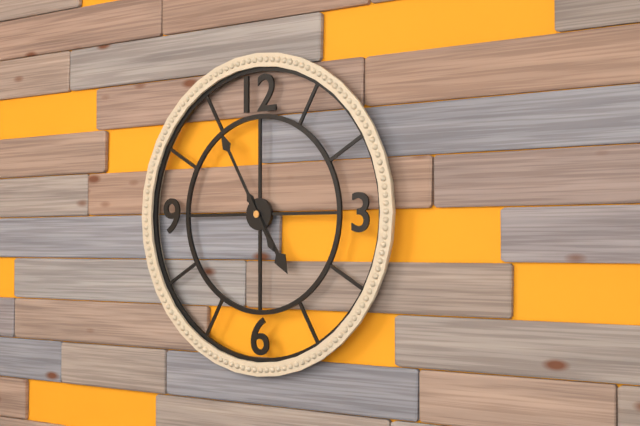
4:55
